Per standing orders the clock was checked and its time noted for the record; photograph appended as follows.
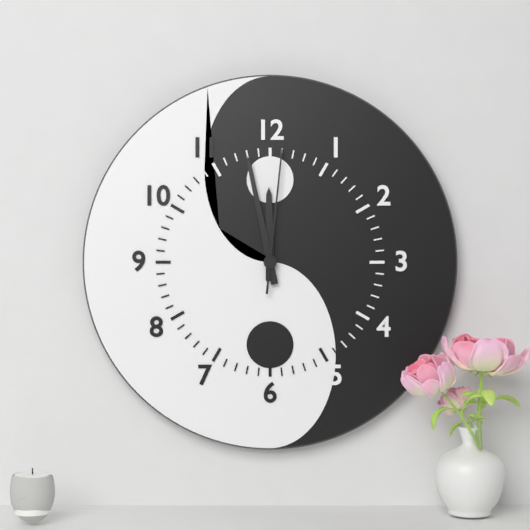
11:58:01
